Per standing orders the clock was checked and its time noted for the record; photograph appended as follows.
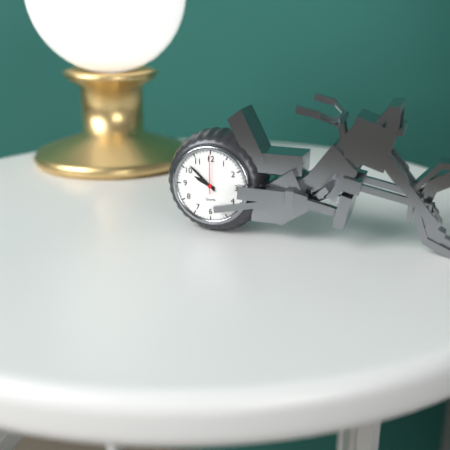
9:52
